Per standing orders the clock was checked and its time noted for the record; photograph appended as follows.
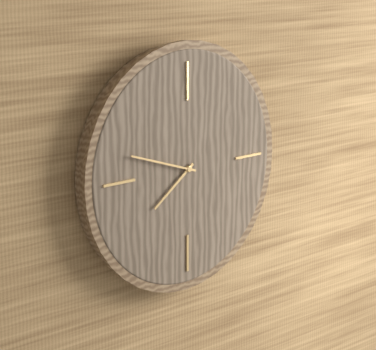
7:48
